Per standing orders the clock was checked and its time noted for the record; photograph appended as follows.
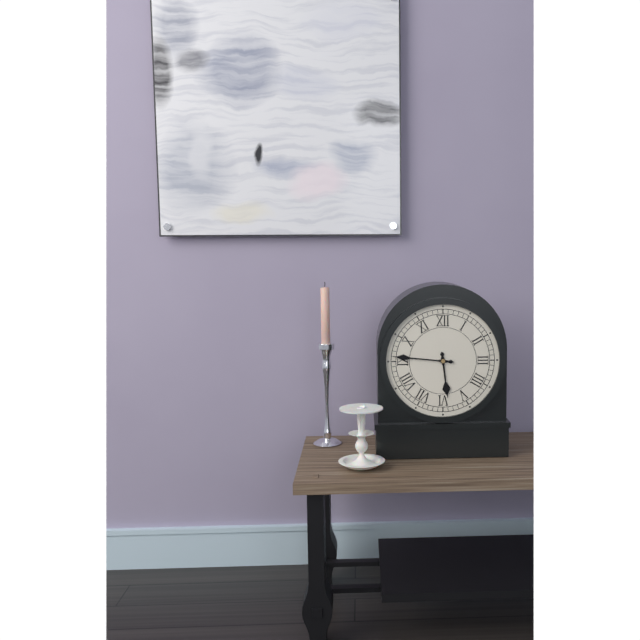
5:46
